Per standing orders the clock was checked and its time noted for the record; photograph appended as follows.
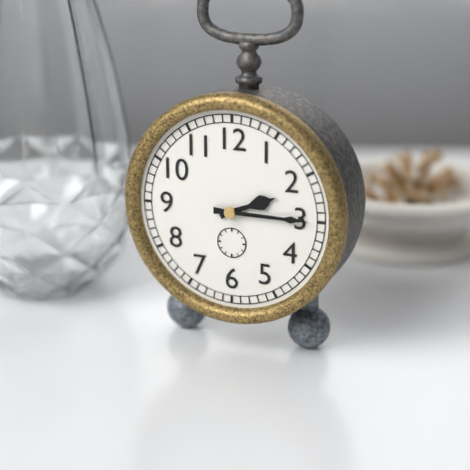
2:15
